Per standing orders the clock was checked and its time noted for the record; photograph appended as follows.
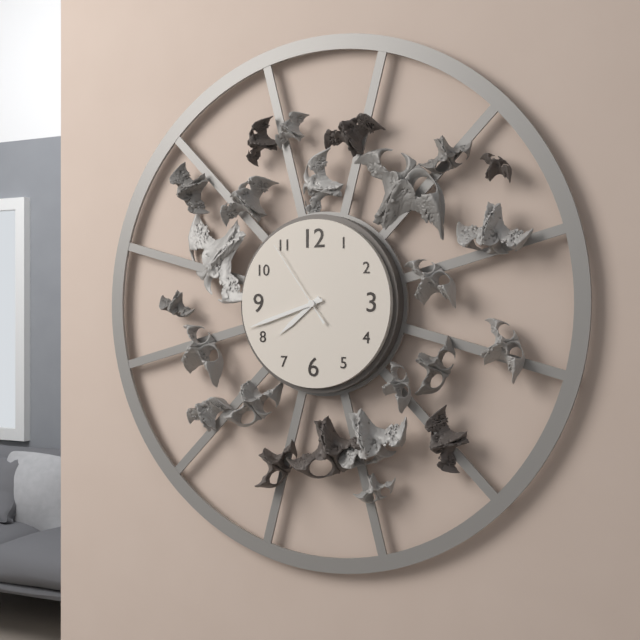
7:42:54
